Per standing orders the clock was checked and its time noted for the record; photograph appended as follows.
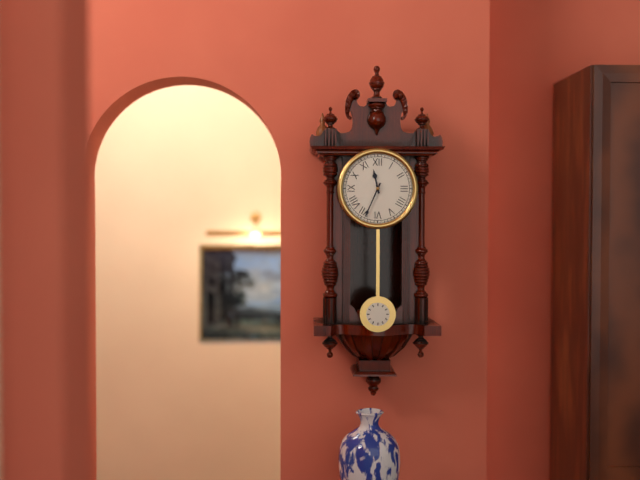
11:34
